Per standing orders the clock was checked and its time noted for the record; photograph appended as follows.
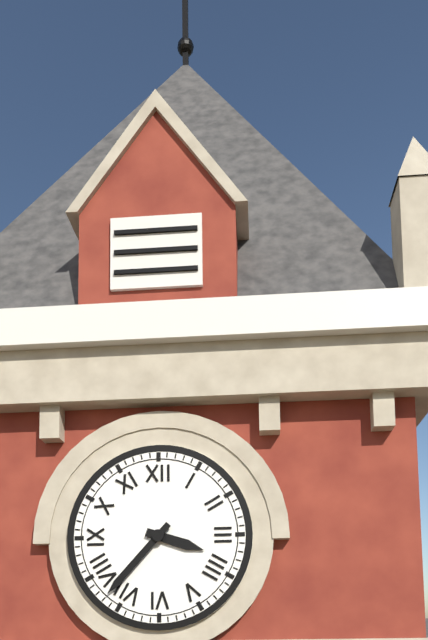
3:37
